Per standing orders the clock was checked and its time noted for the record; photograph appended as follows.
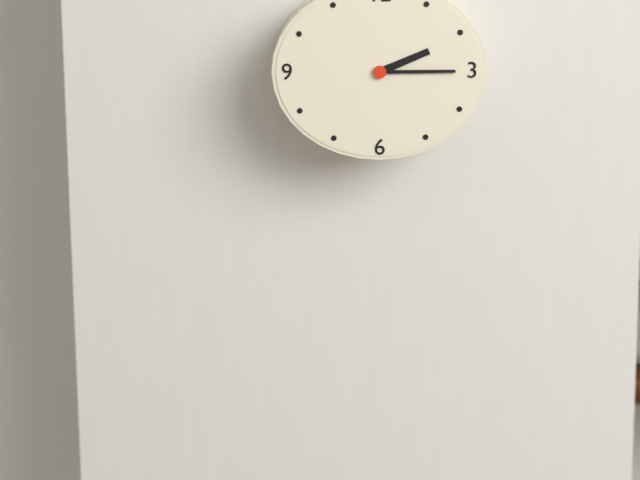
2:15
